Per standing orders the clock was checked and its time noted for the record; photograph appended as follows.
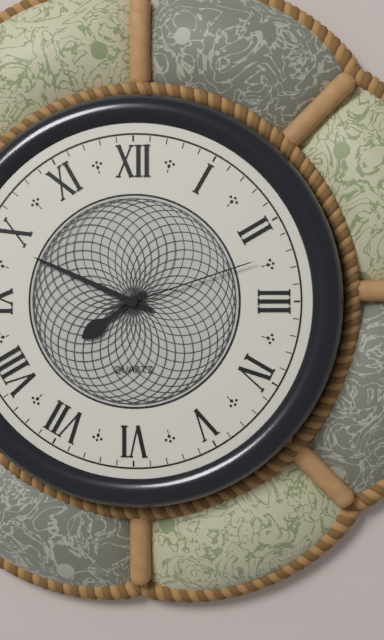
7:49:12
